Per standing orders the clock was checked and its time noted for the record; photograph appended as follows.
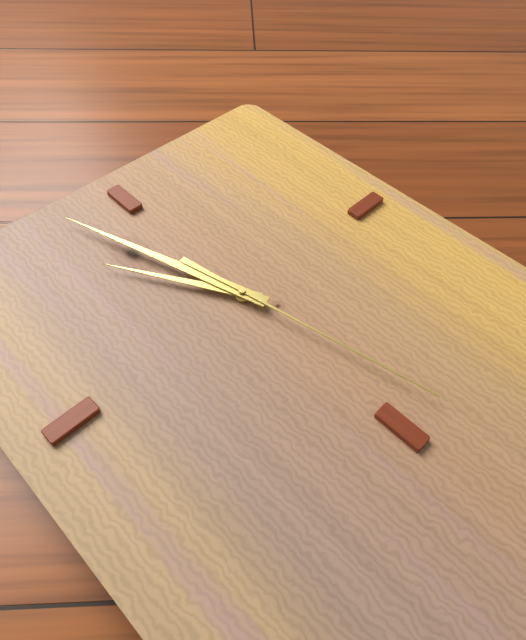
10:57:28
